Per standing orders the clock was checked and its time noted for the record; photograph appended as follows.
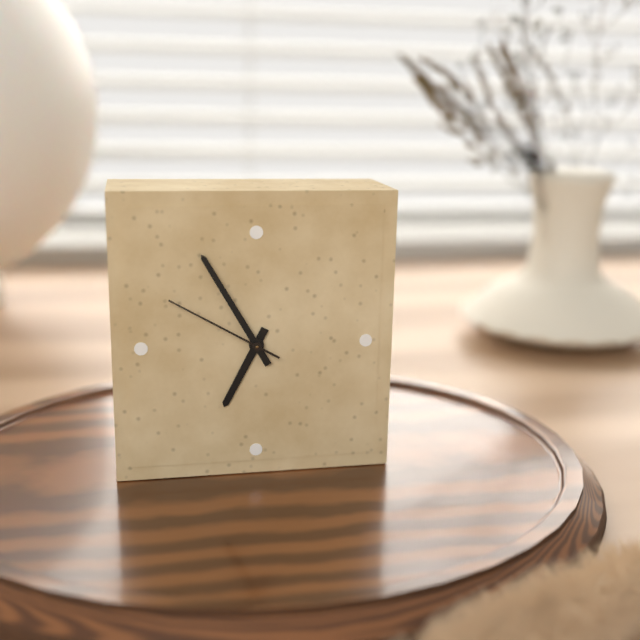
6:55:50
